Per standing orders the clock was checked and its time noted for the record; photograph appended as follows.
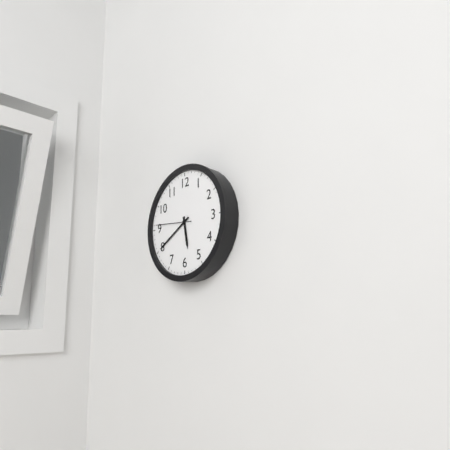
5:40
